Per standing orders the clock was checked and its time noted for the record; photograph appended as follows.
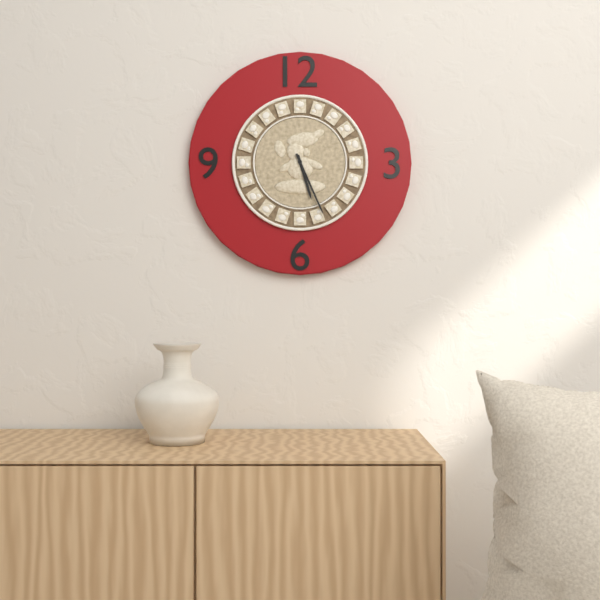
5:26
